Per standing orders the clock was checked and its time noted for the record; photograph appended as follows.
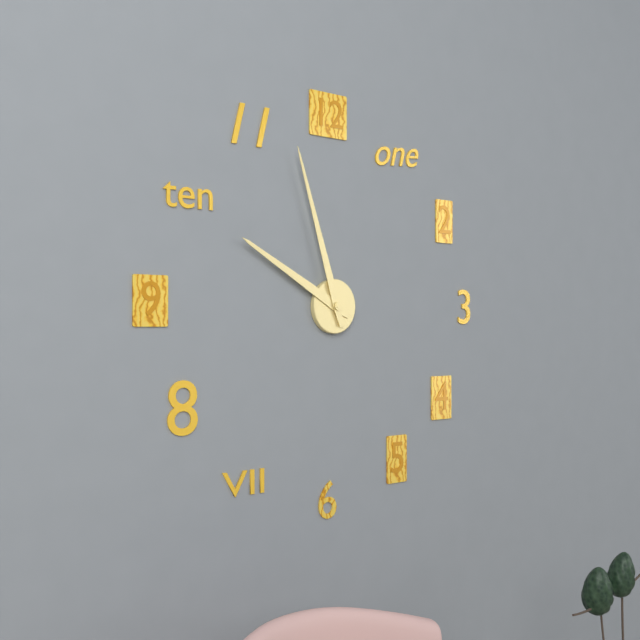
9:57
